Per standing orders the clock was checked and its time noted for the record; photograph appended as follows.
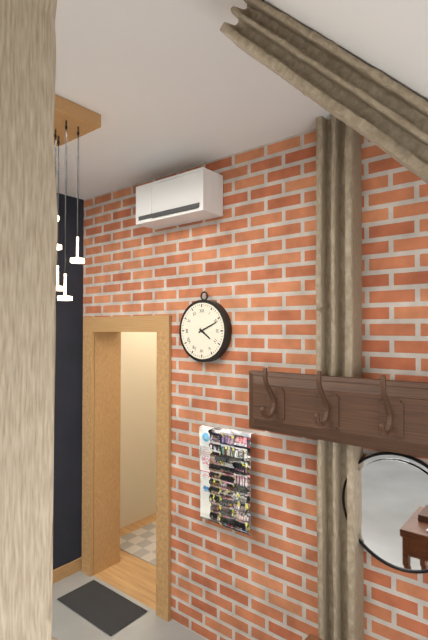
4:11
